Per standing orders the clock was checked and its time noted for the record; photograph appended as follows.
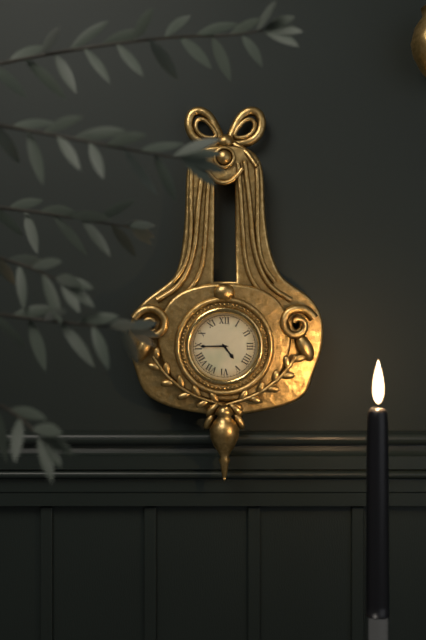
4:45
